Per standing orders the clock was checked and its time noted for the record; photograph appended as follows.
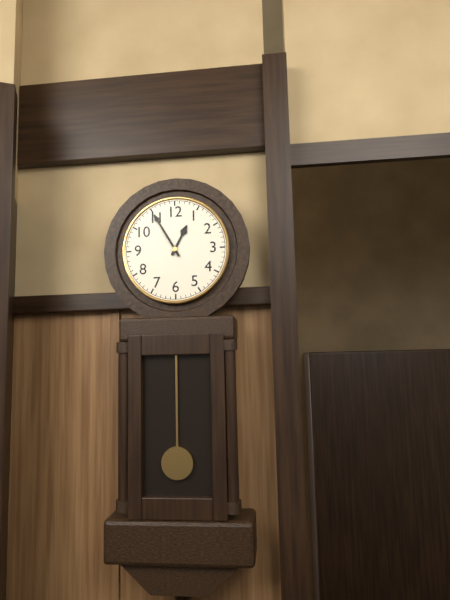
12:55
